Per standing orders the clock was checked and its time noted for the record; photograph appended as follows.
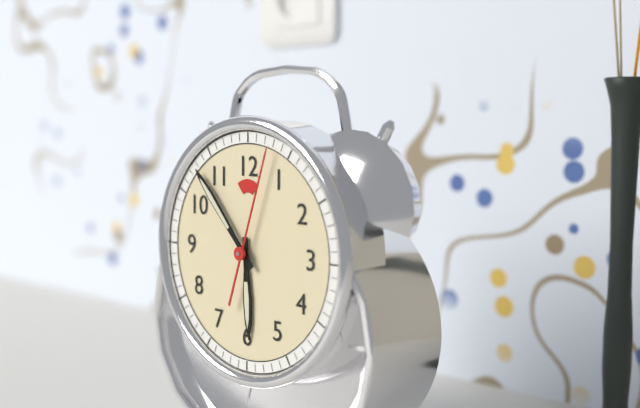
5:53:03
